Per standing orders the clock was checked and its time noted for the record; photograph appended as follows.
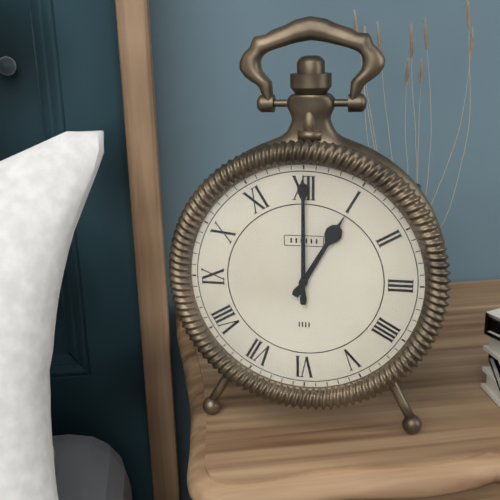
1:00
